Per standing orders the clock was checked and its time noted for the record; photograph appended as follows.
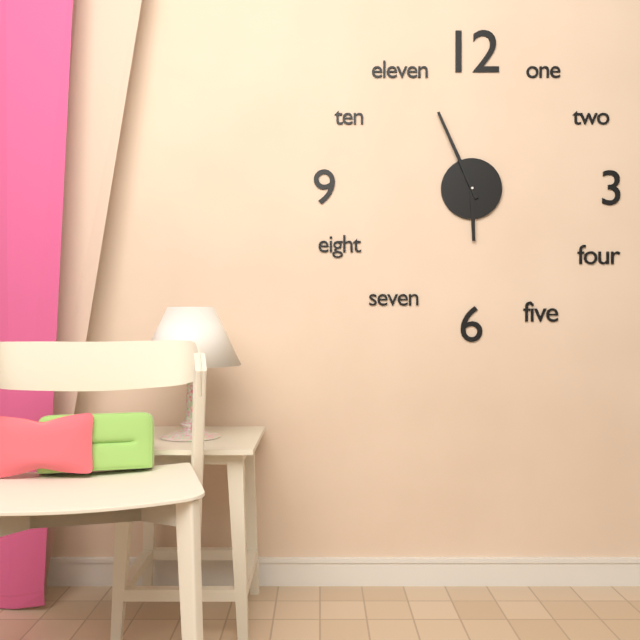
5:56
